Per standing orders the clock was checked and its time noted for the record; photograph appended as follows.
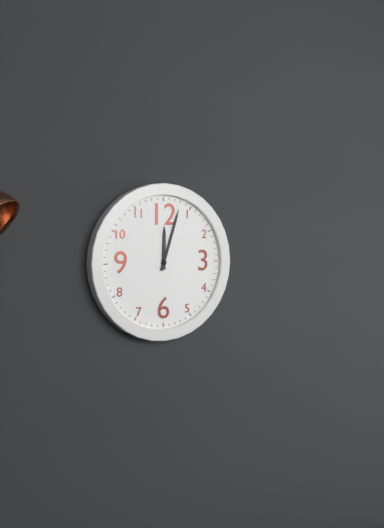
12:03
